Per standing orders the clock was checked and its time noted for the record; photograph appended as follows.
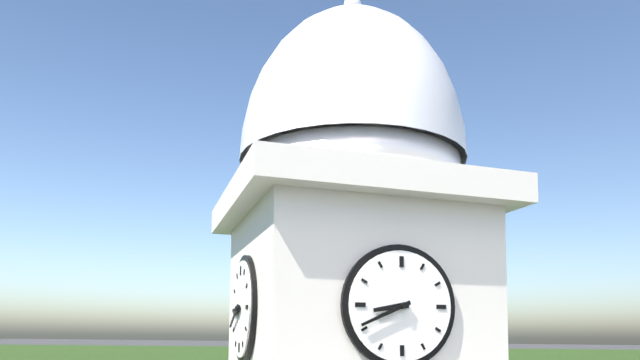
8:41
